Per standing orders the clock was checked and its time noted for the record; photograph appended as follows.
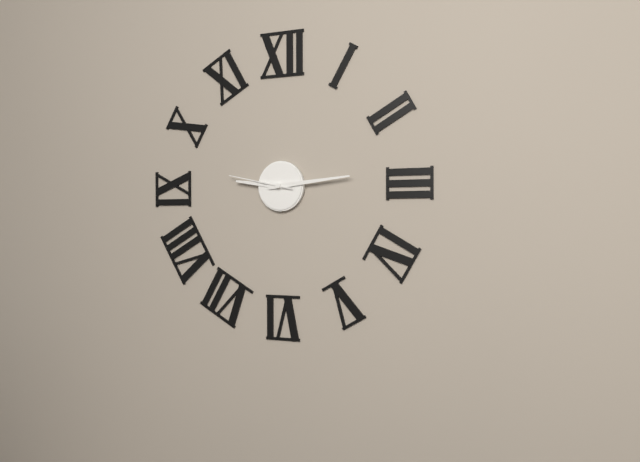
9:14:47
